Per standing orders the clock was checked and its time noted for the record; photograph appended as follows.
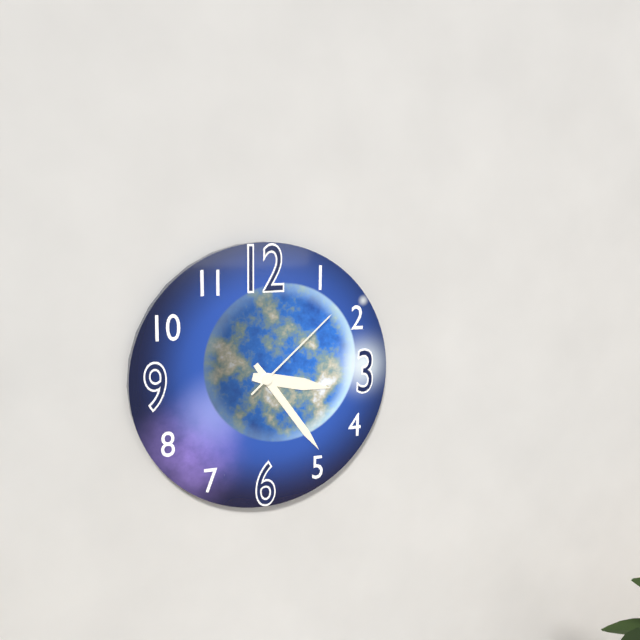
3:24:08
